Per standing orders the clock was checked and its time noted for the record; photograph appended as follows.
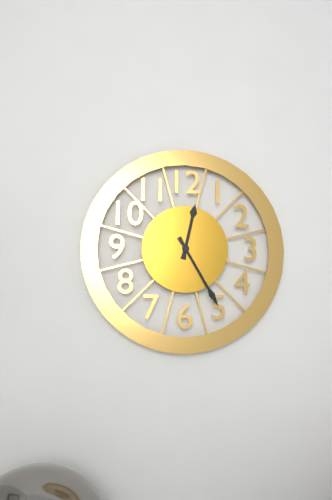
12:25
